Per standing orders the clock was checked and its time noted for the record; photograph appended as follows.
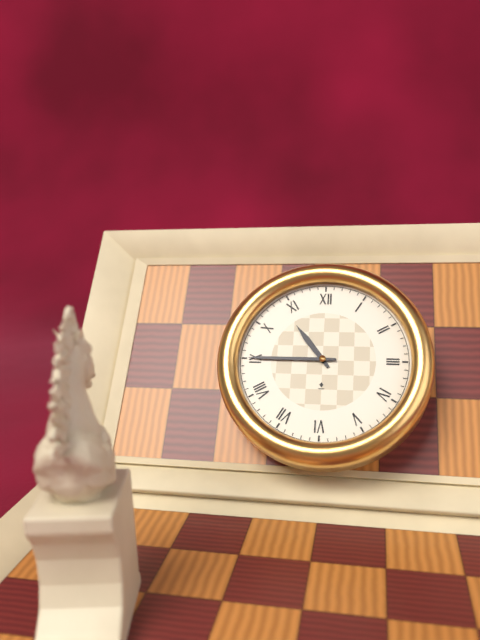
10:45
